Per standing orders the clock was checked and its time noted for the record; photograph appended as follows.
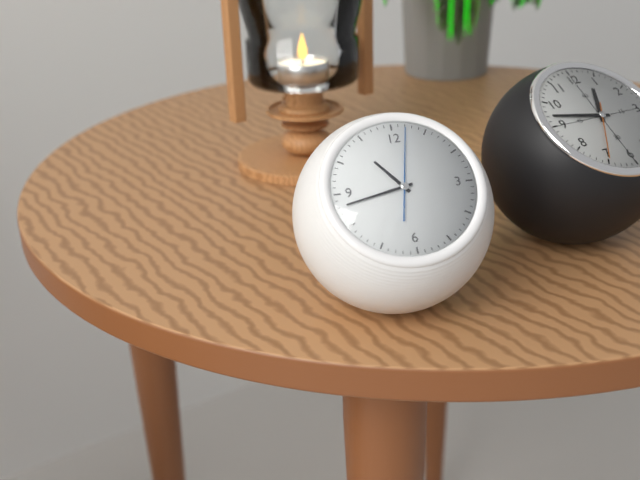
10:43:02
